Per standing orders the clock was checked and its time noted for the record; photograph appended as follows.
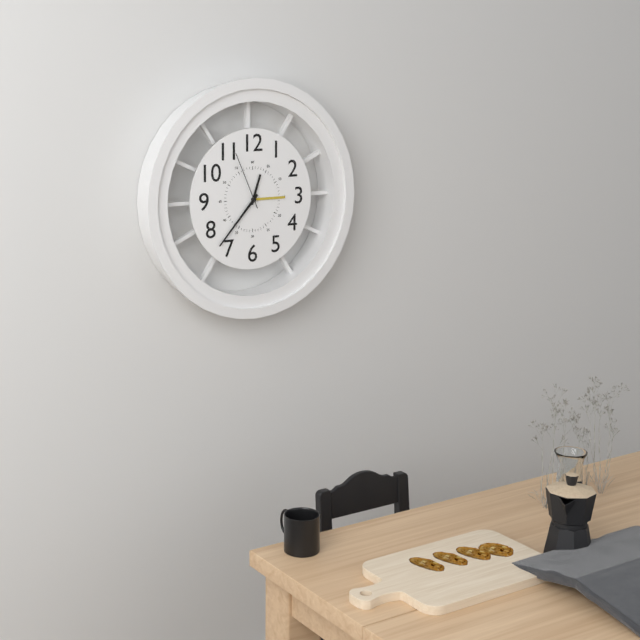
12:37:56
